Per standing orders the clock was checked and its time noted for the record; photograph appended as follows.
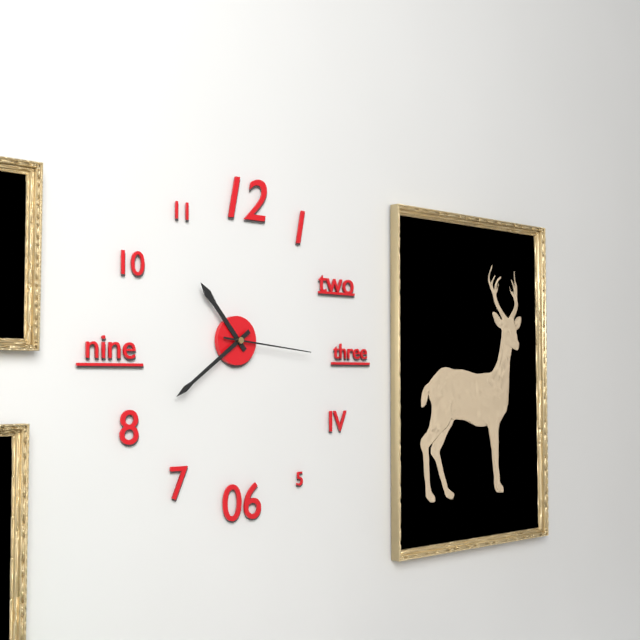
10:39:16
